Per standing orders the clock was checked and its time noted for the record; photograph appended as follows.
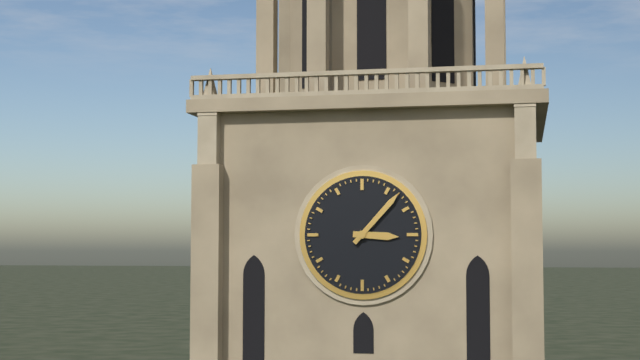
3:07
